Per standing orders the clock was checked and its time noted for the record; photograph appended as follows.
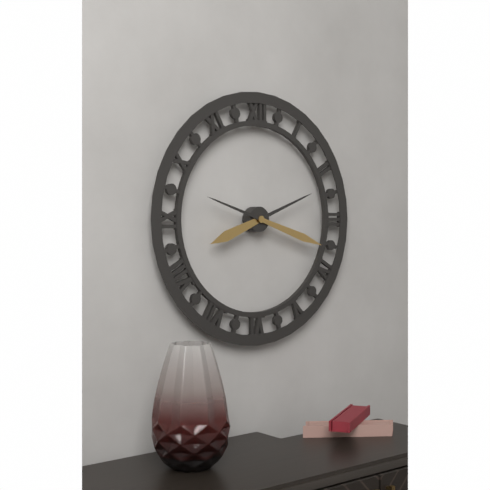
8:18
